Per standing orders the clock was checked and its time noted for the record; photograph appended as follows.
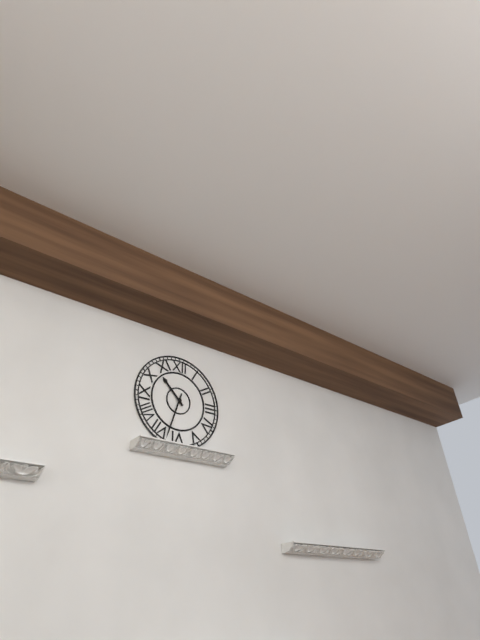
10:33
